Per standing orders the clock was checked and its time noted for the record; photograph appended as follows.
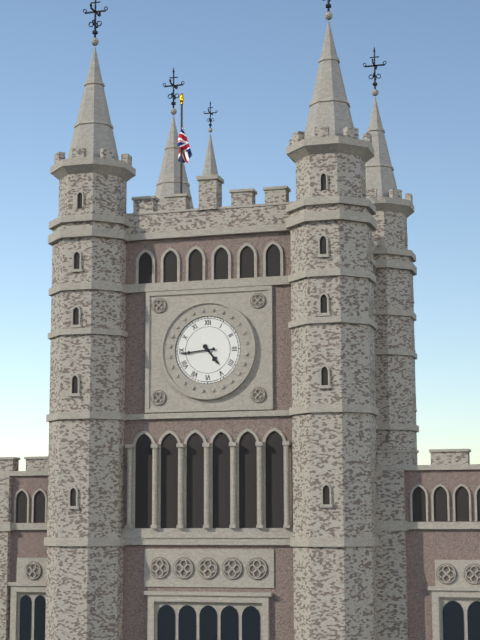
4:44
